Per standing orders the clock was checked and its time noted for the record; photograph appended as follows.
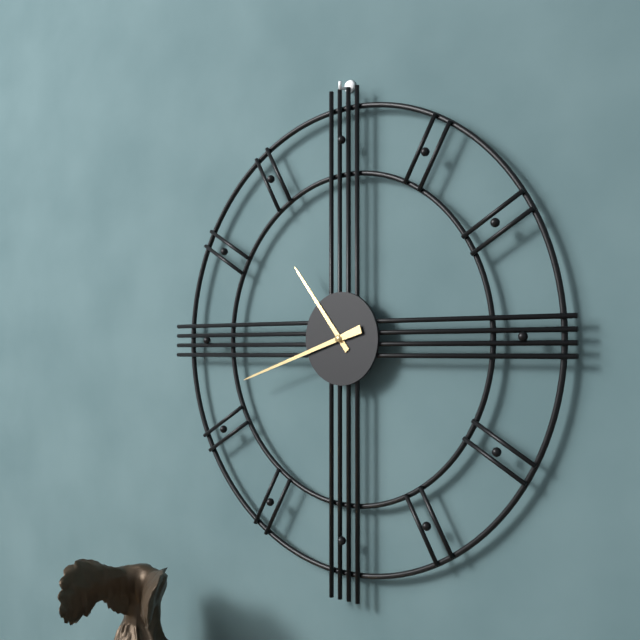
10:42
